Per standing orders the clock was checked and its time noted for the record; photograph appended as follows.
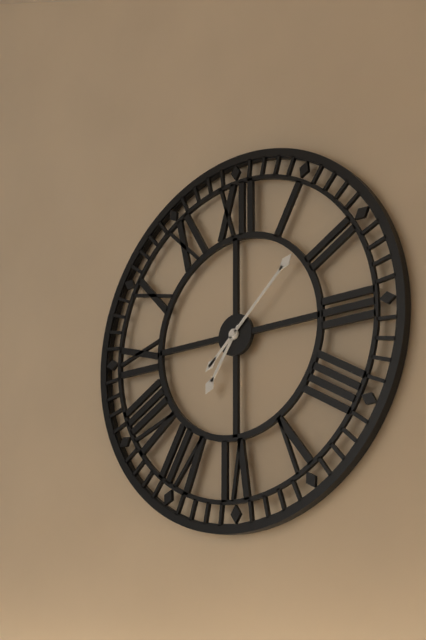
7:08
